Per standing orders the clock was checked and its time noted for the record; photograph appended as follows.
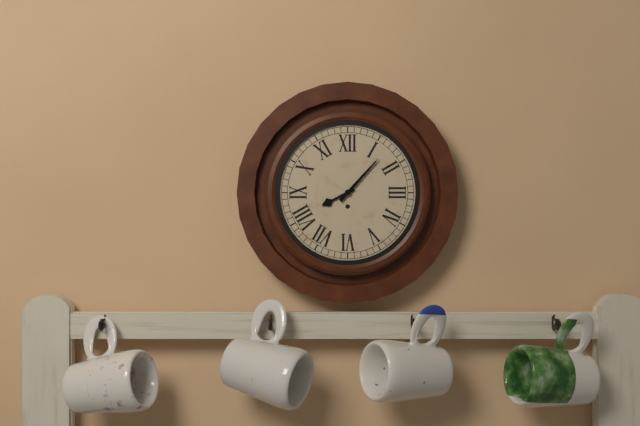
8:07
